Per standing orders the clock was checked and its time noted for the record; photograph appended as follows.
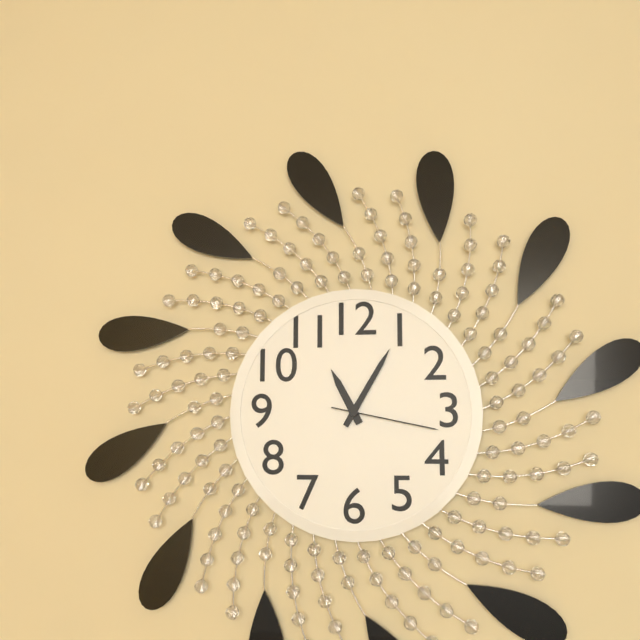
11:05:17
